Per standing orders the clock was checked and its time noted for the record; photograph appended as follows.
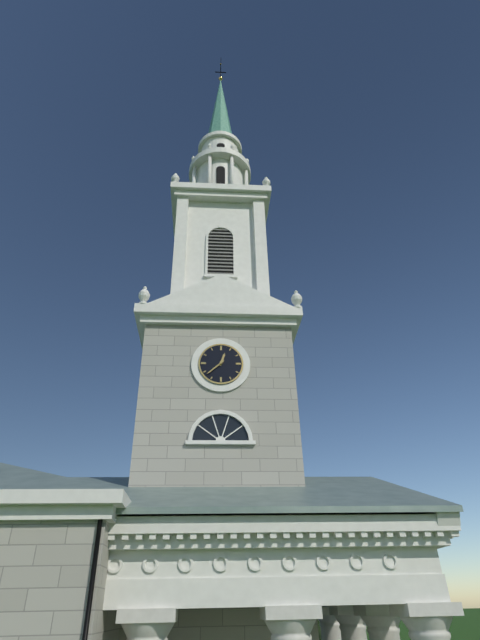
12:38
